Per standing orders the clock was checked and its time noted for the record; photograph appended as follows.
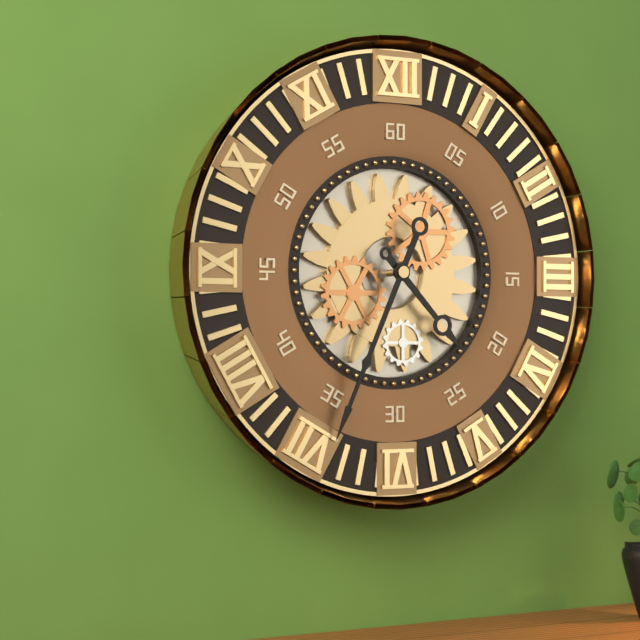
4:34
